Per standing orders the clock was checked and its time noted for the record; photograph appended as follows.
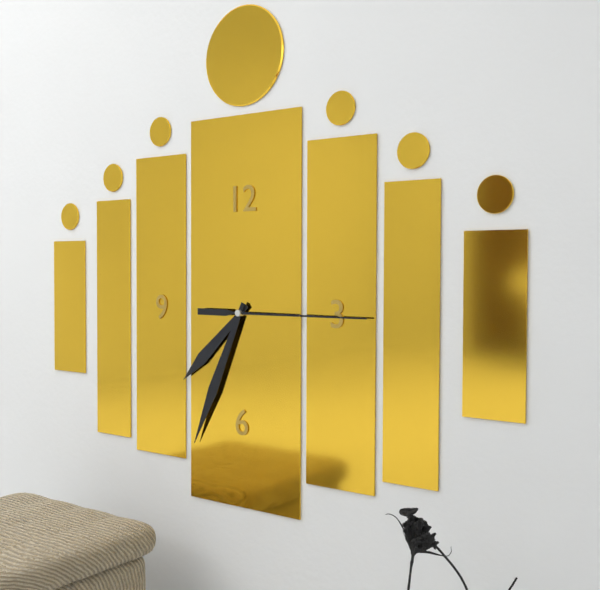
7:34:15
